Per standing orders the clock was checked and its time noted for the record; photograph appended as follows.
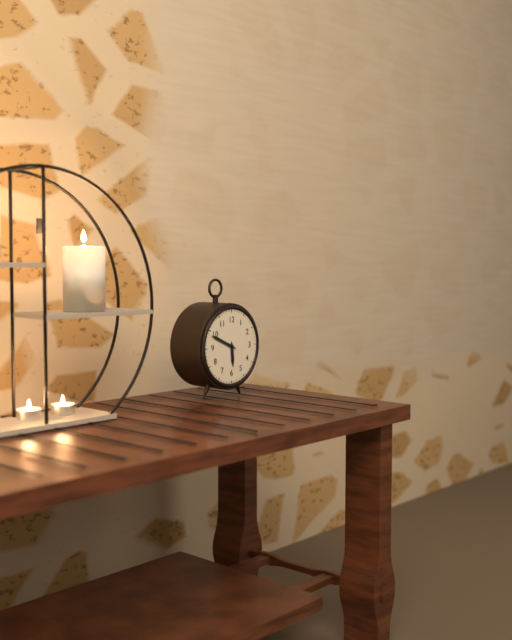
5:49
